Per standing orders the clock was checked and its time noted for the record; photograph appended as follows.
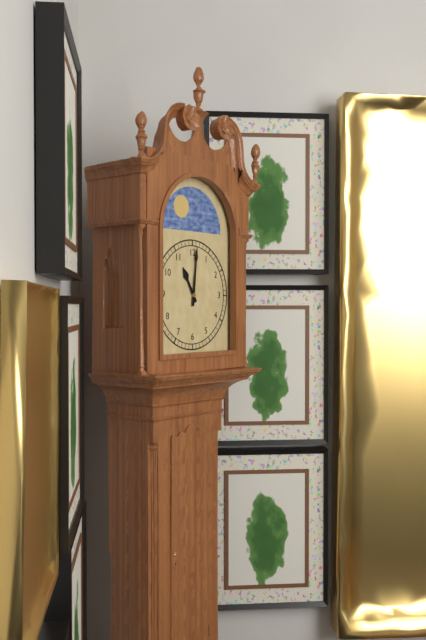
11:01
